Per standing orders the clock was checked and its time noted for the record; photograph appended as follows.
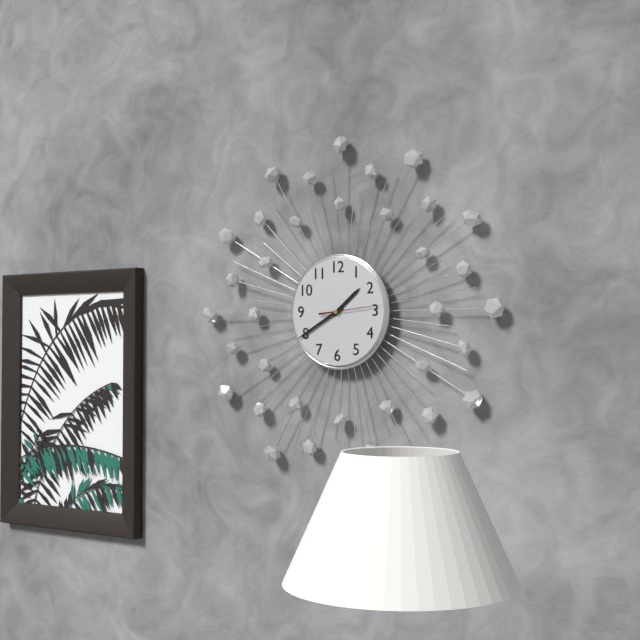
1:40:14
